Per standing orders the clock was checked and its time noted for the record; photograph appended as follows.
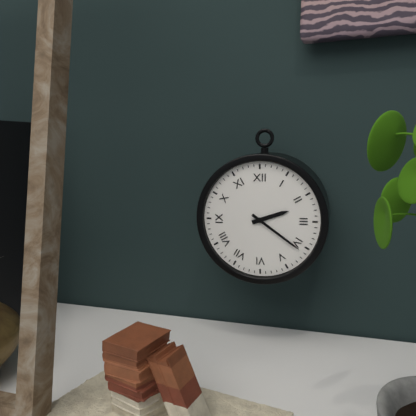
2:21
